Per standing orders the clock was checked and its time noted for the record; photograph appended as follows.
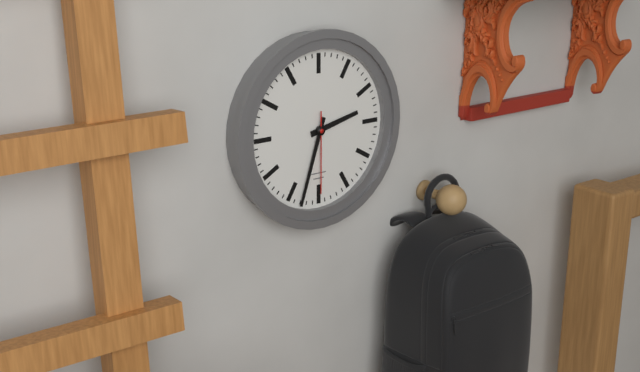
2:33:30
